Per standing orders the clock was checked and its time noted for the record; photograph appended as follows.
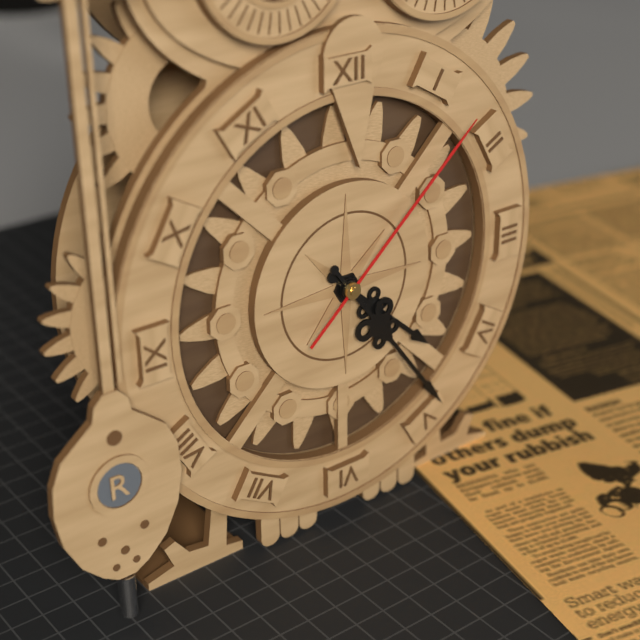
4:24:08
